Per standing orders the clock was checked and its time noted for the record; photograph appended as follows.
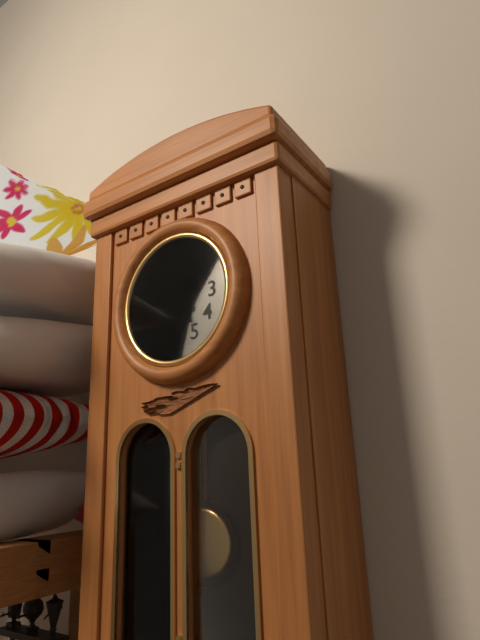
4:49
